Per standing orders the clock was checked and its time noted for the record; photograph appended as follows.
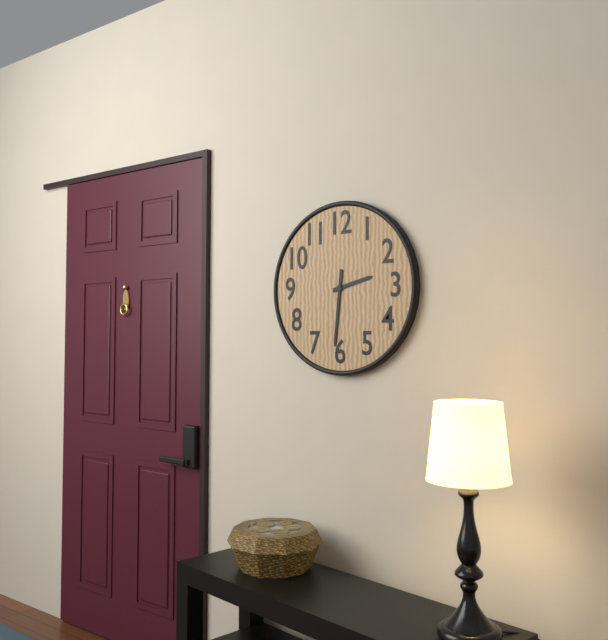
2:31
